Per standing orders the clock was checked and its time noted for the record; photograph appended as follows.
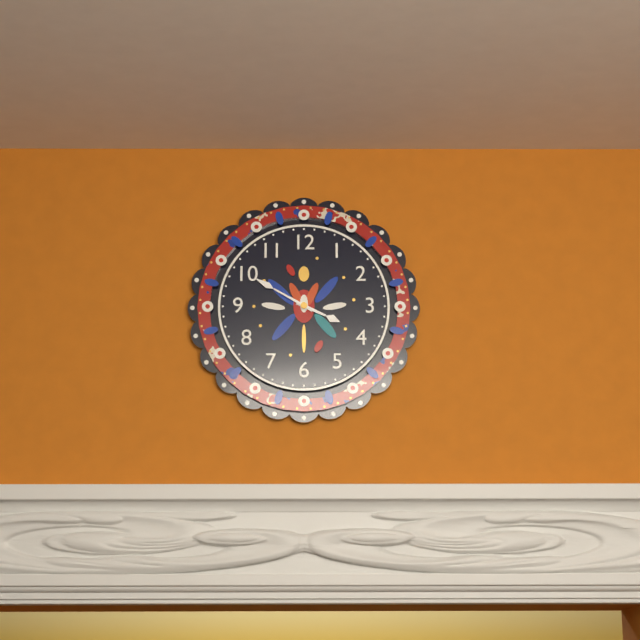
3:50
